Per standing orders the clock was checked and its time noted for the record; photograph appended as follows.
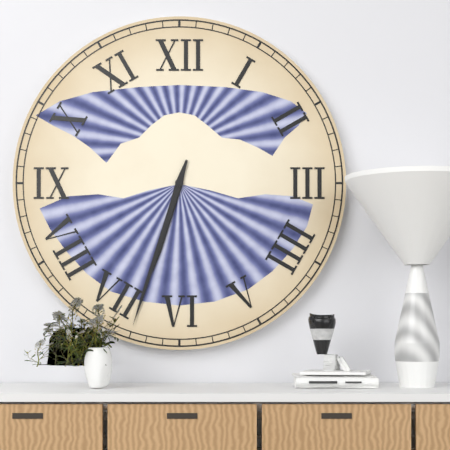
6:33
